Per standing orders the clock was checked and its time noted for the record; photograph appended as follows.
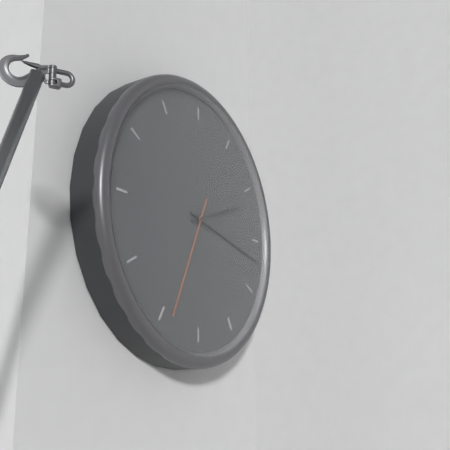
2:17:34
